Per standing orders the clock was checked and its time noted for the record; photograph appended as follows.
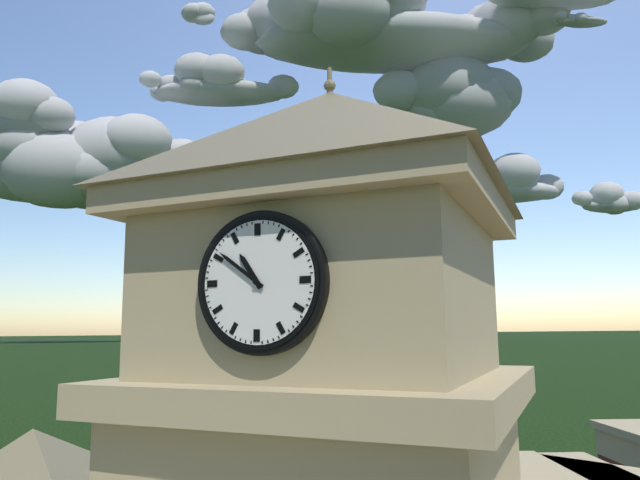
10:51
